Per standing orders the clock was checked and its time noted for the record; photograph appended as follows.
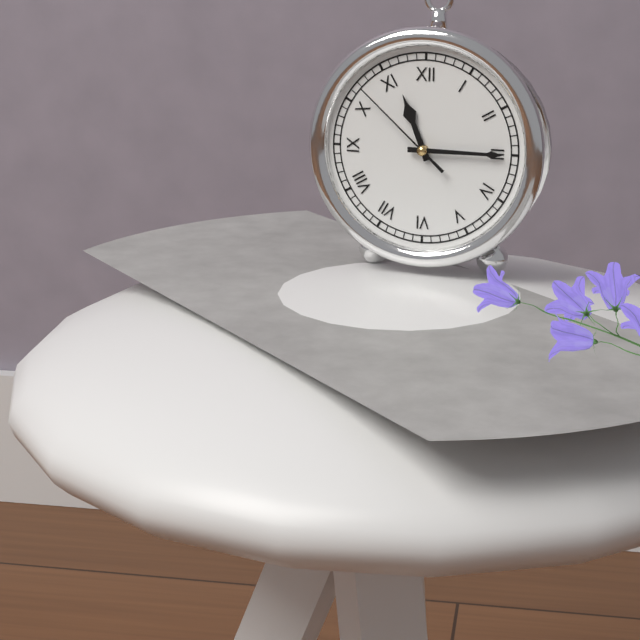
11:15:52
